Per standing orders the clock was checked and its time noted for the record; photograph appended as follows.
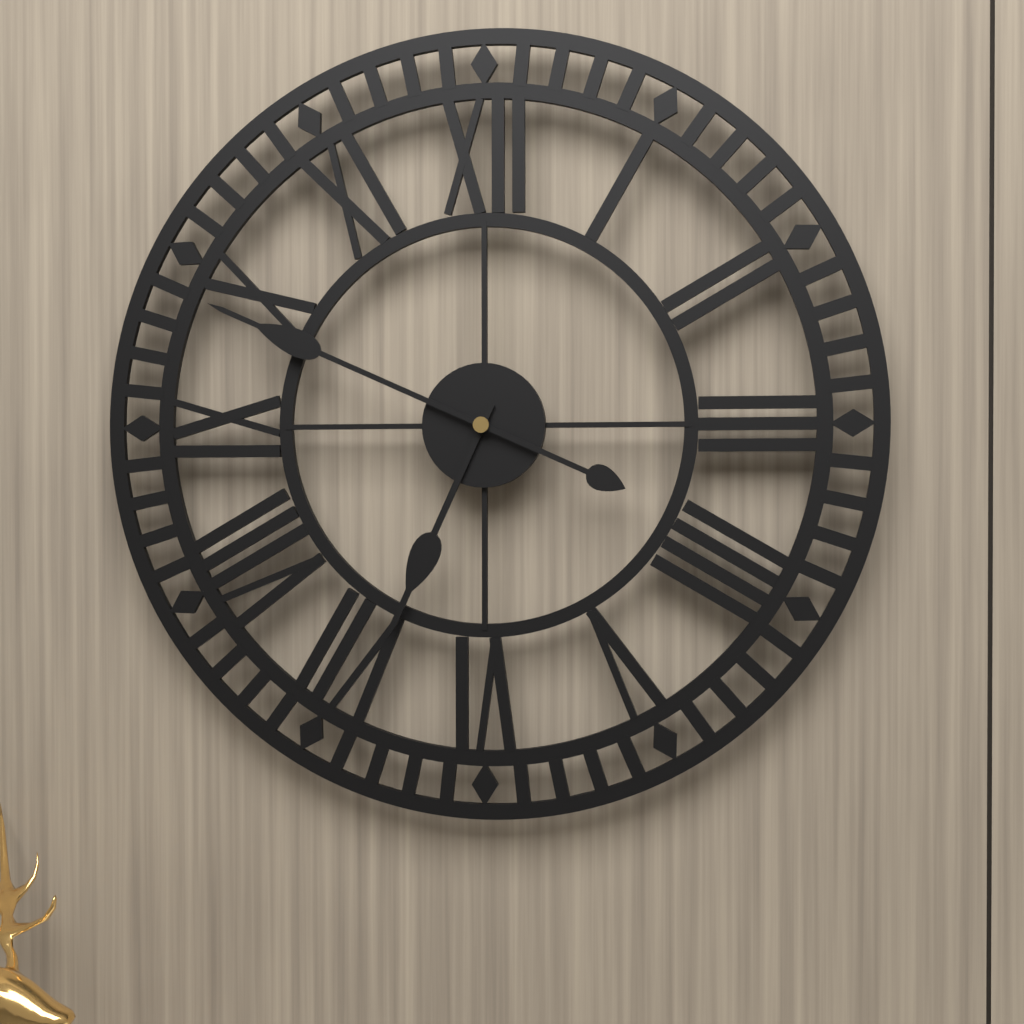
6:49
